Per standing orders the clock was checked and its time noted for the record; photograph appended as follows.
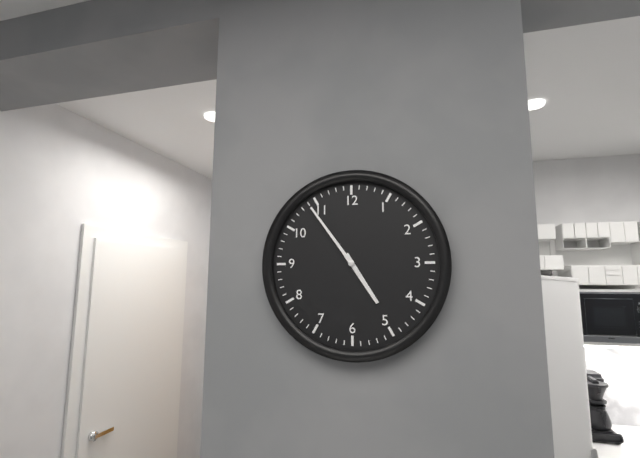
4:54
